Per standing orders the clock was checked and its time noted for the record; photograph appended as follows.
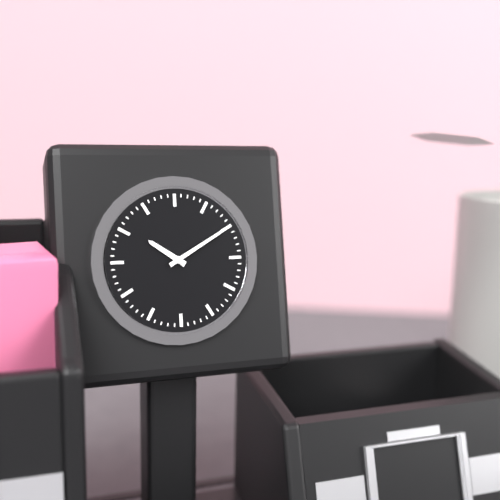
10:10
